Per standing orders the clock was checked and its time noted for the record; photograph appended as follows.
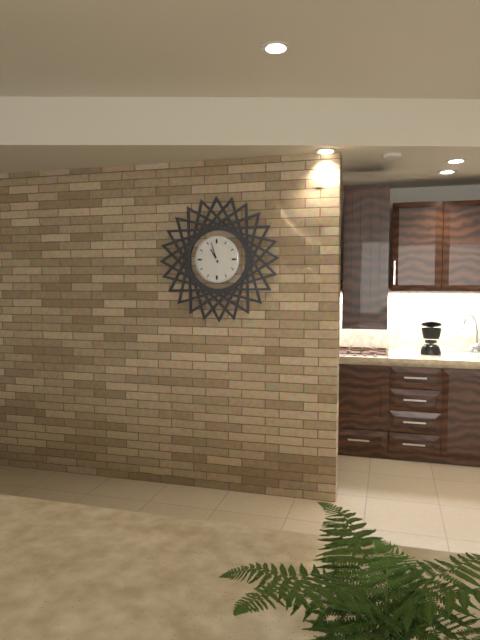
10:57
